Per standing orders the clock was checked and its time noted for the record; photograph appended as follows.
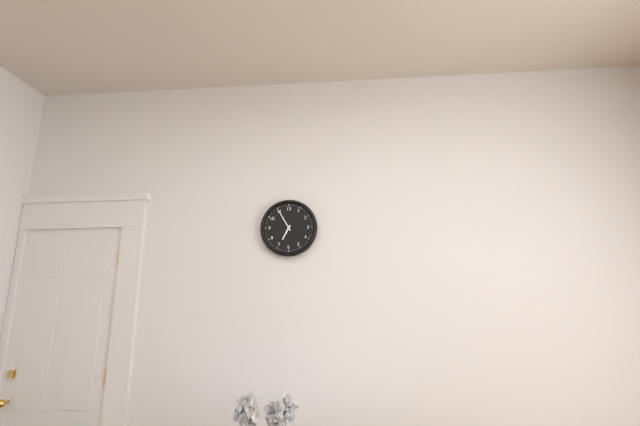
6:55
